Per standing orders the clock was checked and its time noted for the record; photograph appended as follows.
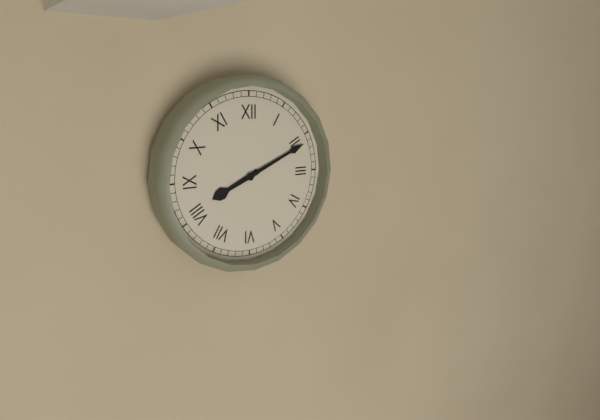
8:11
